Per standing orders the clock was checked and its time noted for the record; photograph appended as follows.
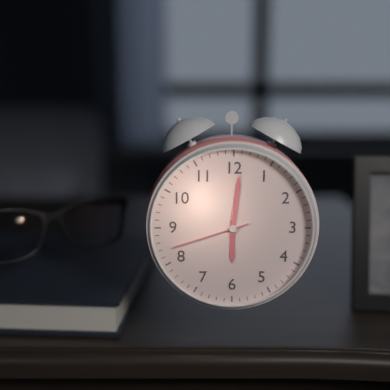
6:01:42
